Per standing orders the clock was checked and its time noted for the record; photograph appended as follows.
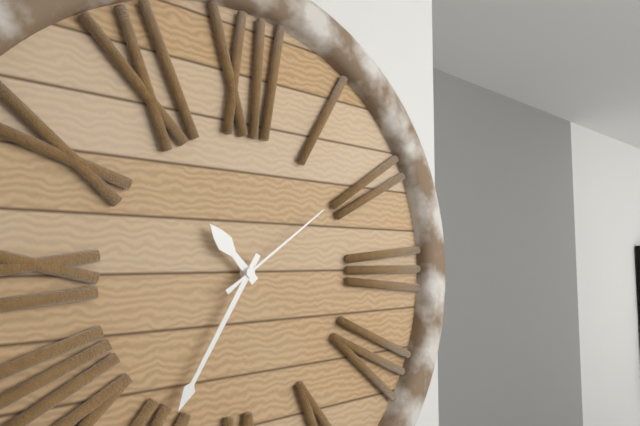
10:35:09
